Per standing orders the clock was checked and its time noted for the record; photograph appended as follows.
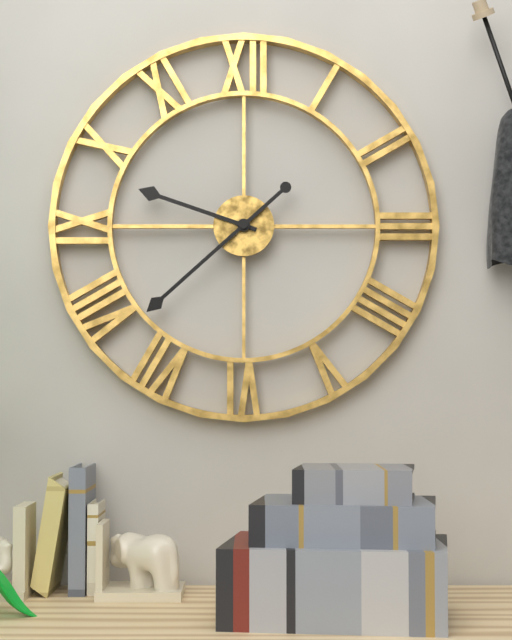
9:38
